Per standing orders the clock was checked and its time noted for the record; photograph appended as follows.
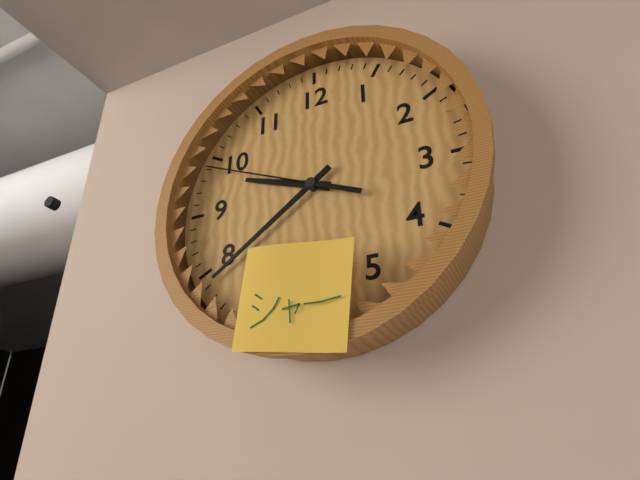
9:39:49
